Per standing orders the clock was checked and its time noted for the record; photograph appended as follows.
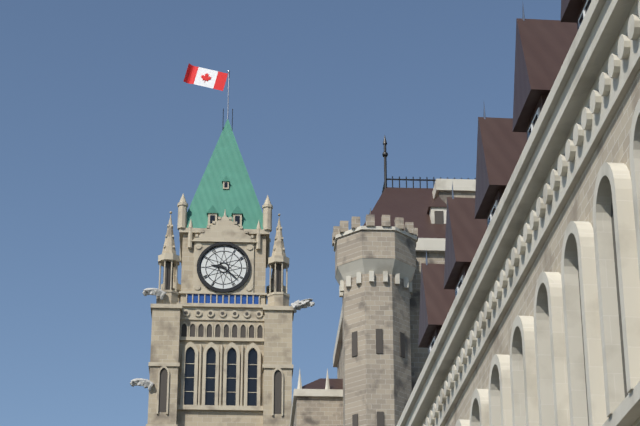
9:22
